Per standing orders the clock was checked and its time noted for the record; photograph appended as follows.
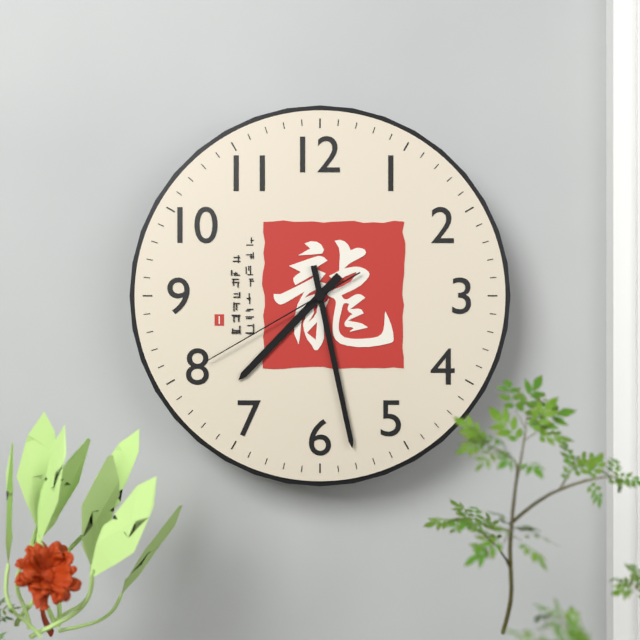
7:28:40
